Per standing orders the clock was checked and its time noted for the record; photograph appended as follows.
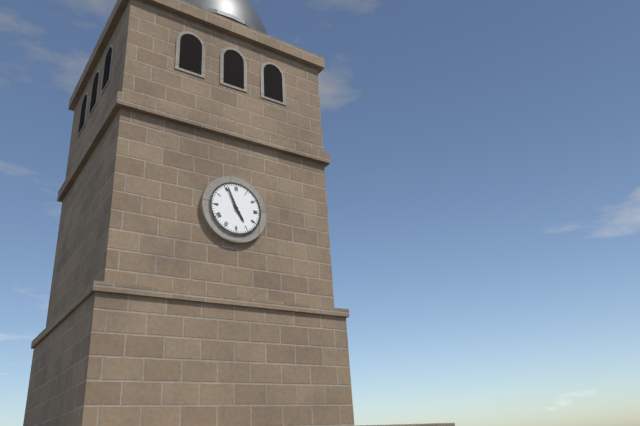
4:56
